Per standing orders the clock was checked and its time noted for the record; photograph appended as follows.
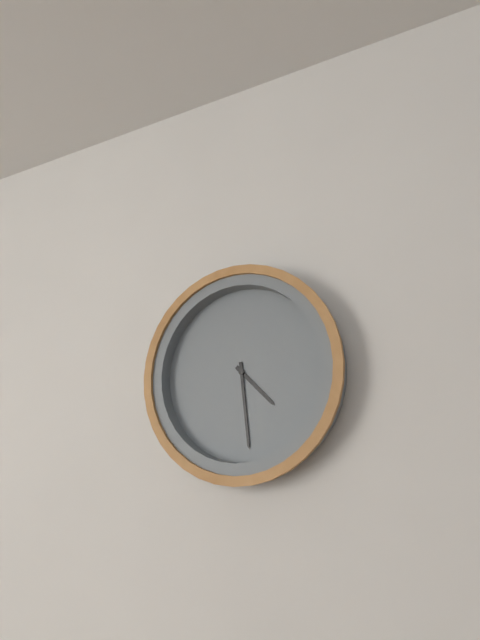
4:29
